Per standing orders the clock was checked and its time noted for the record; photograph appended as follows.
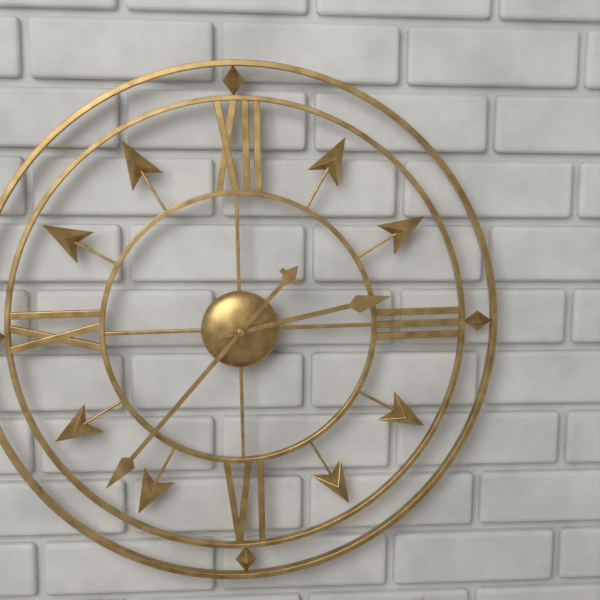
2:37
